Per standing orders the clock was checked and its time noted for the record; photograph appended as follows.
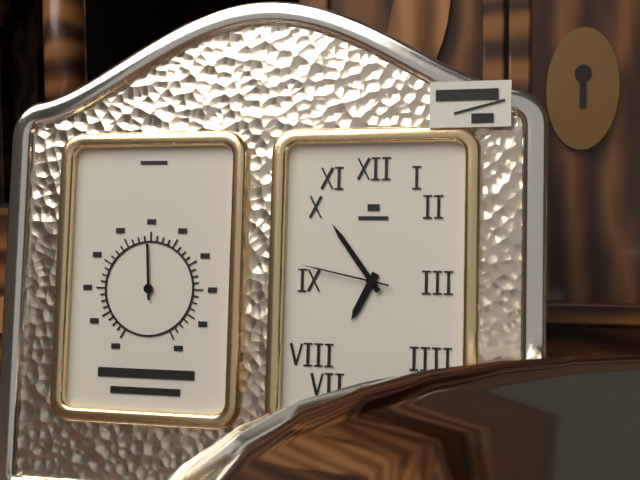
6:54:47
